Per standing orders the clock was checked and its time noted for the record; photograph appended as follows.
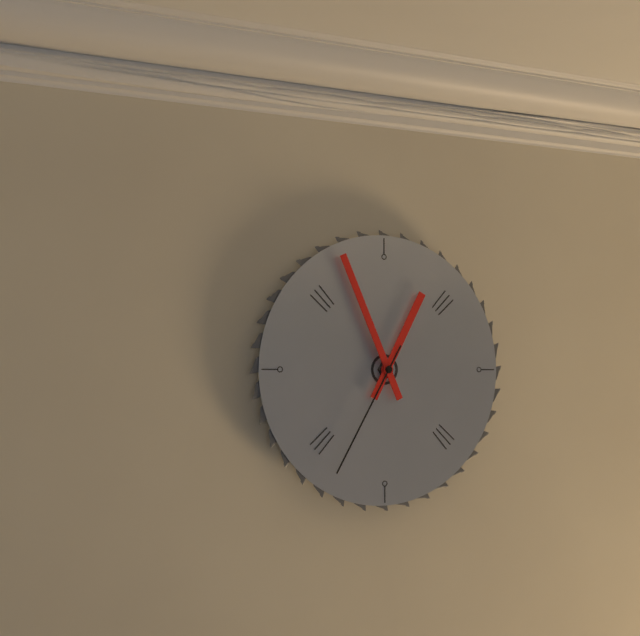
12:56:35
